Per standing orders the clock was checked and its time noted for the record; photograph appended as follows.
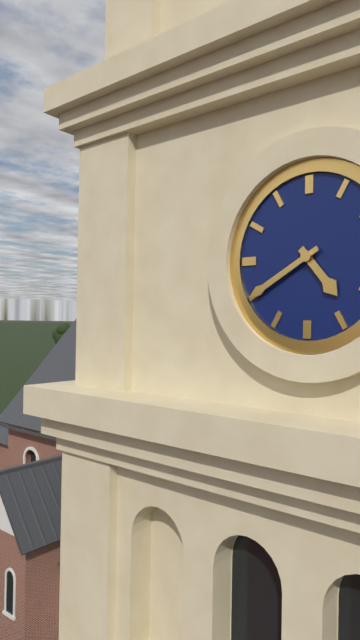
4:40
